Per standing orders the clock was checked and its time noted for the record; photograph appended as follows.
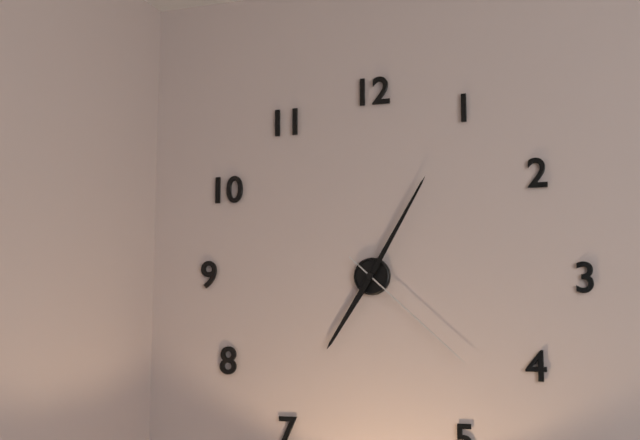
7:05:22
